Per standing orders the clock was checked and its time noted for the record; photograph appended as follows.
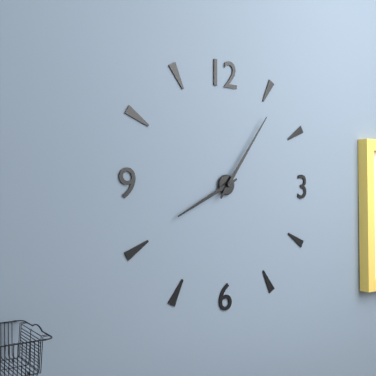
8:06
